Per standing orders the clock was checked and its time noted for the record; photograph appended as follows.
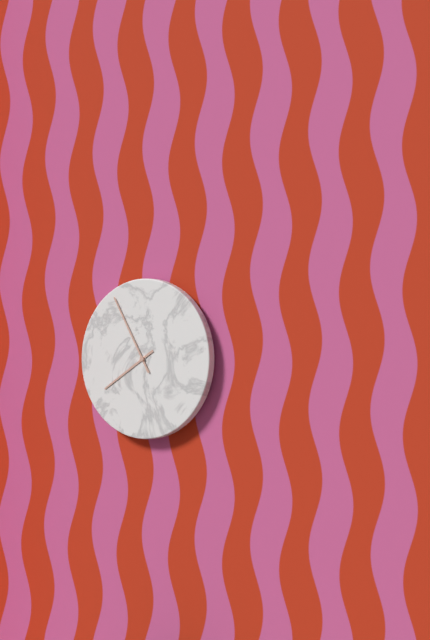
7:55
